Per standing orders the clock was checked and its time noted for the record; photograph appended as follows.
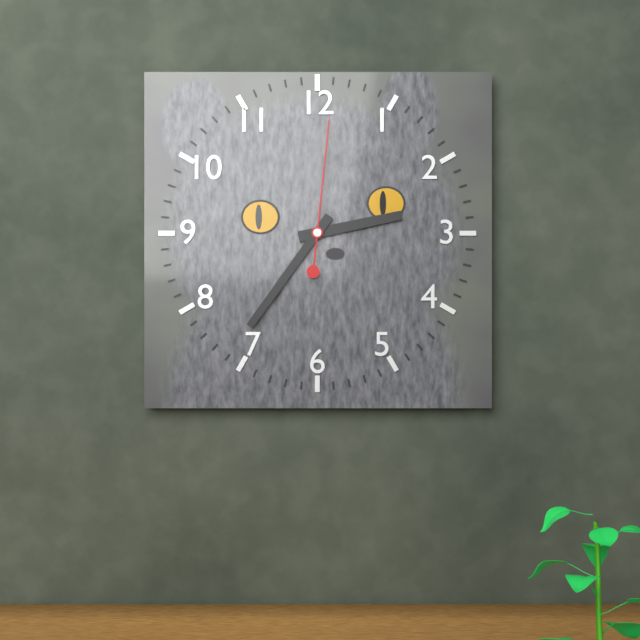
2:36:01
